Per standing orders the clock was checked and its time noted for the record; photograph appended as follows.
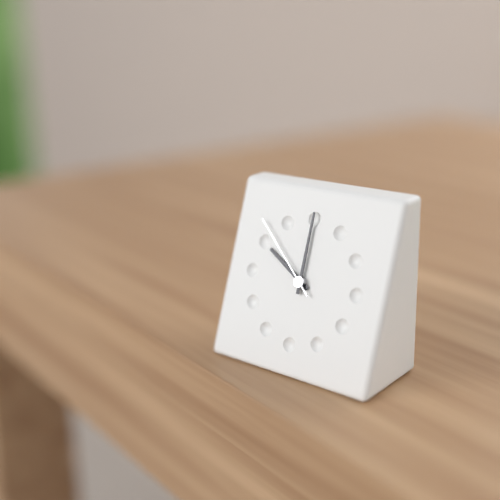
10:00:52
